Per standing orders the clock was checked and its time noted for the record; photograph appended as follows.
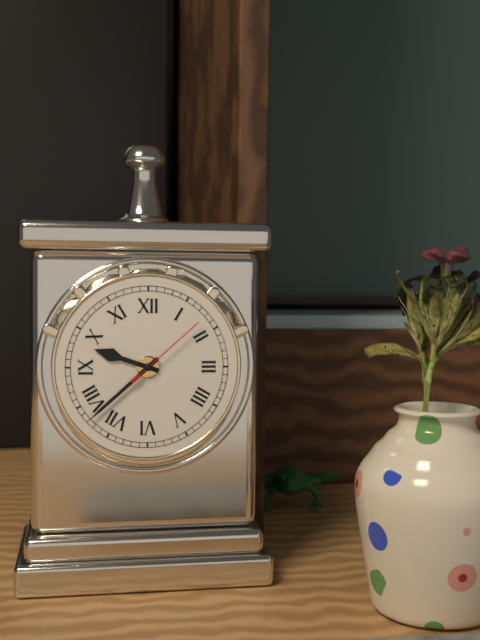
9:38:08
